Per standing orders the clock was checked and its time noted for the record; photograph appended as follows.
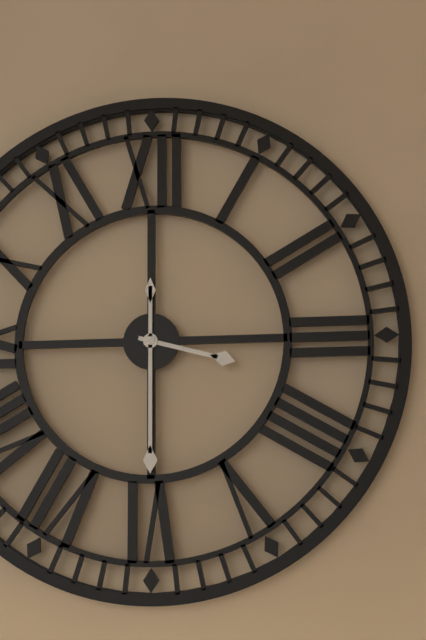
3:30
